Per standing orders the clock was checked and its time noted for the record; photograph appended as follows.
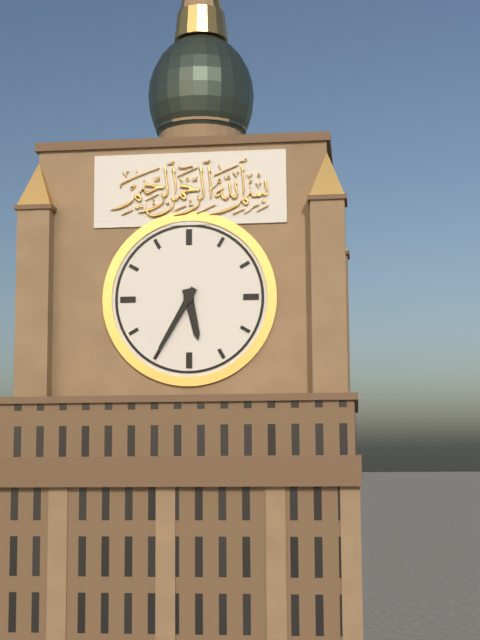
5:35
